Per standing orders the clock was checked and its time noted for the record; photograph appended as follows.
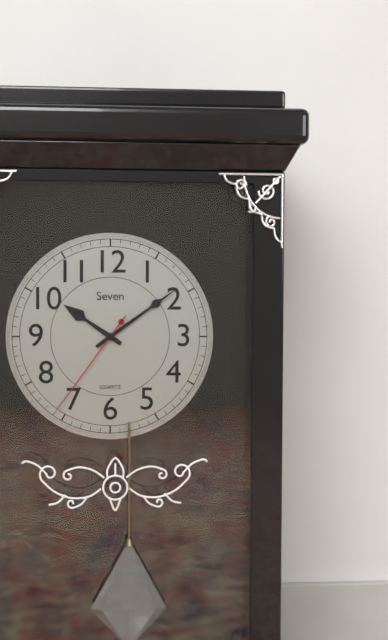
10:09:36
